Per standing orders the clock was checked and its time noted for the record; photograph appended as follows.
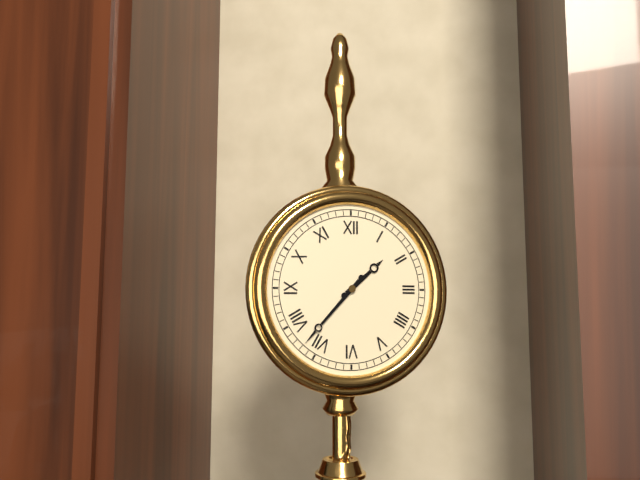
1:37
